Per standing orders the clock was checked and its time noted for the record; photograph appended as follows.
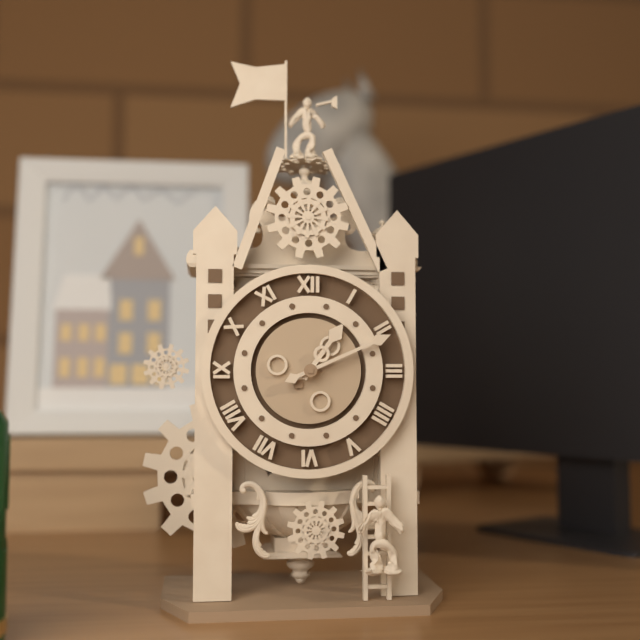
1:11
